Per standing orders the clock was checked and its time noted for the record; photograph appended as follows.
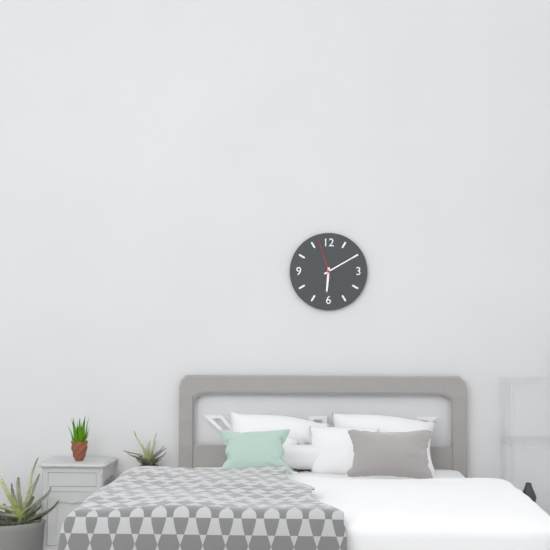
6:10
